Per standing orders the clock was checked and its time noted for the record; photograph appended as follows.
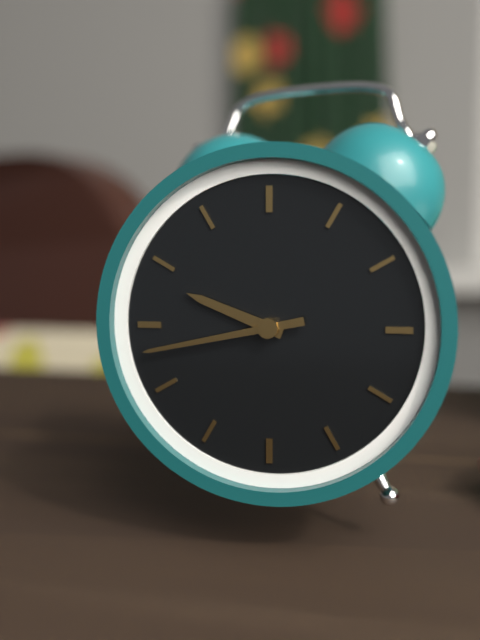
9:43
